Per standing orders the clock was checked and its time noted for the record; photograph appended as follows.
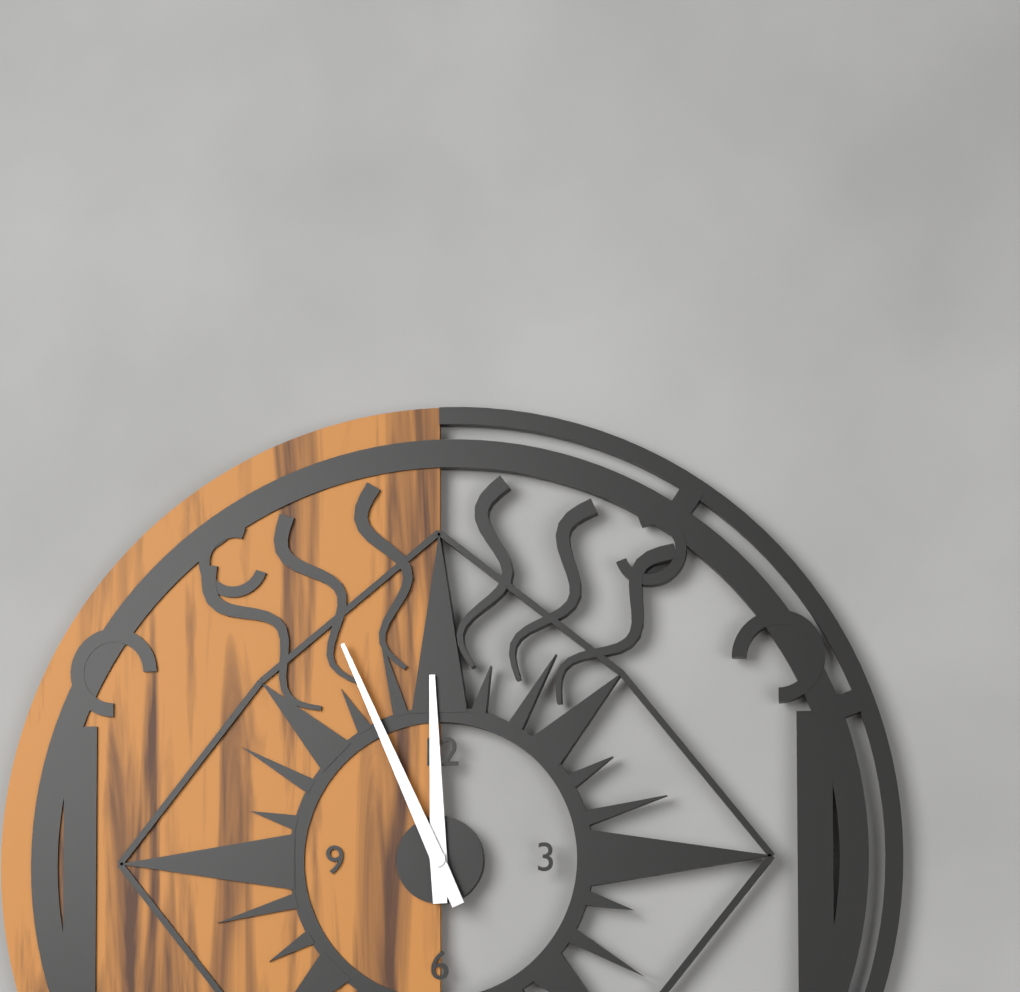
11:56
